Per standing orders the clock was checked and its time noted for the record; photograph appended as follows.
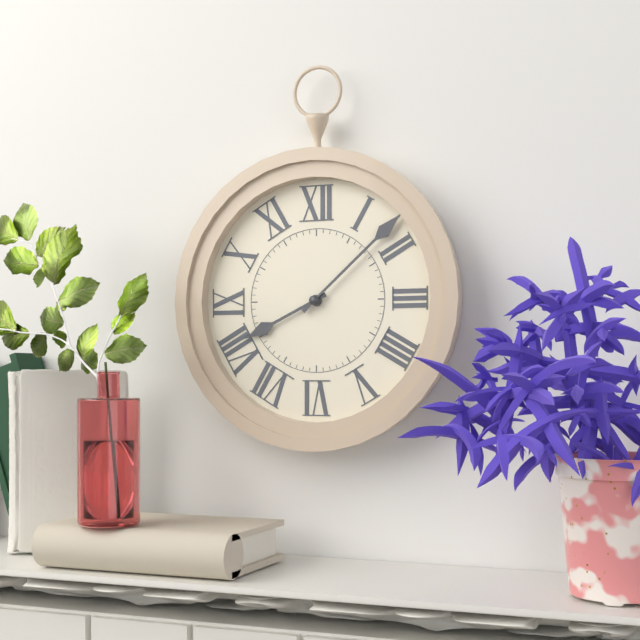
8:08
